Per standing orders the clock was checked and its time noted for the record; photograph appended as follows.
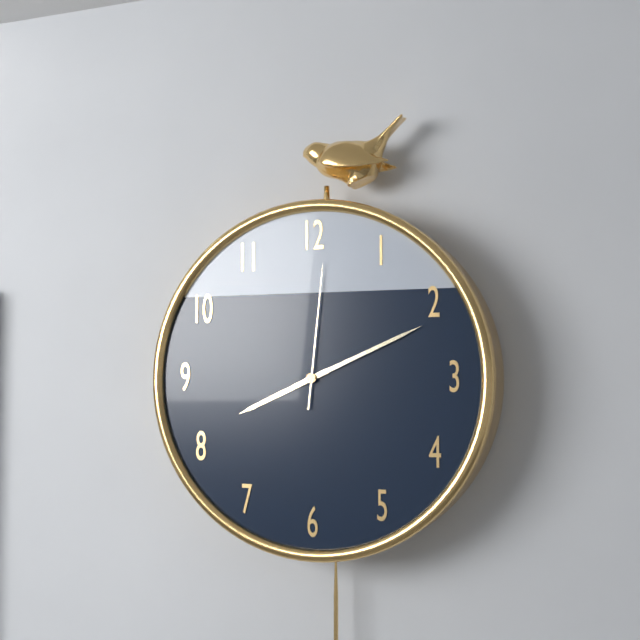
8:11:01
